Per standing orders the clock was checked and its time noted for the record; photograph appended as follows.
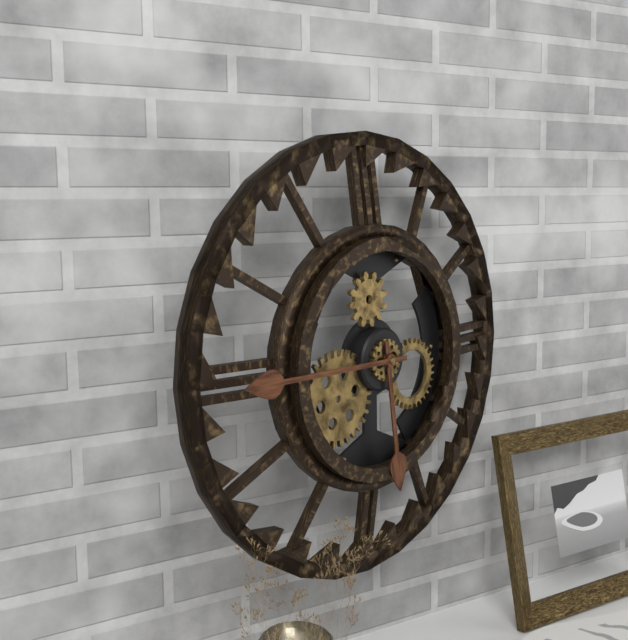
5:45
